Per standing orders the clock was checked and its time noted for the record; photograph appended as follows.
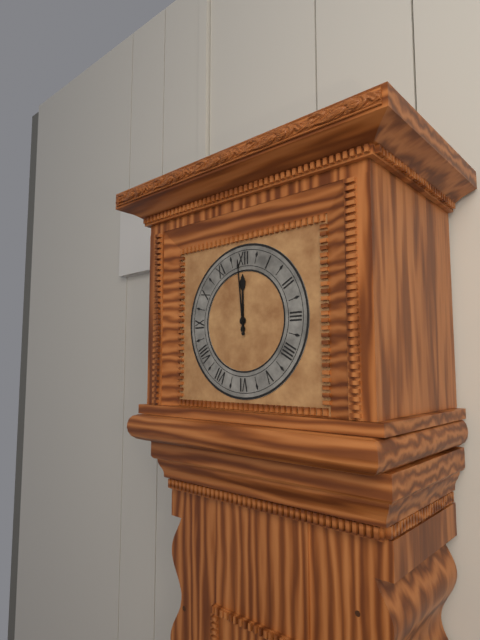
11:59
